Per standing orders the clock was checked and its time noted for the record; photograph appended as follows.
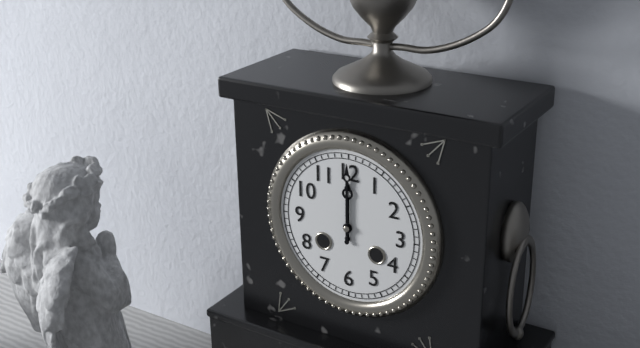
12:00
